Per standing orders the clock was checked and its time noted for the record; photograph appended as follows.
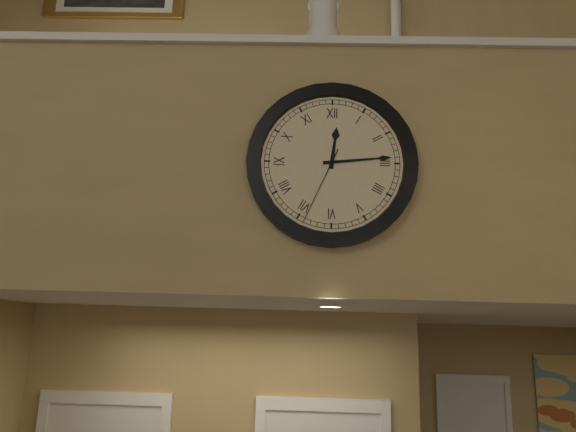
12:14:34
